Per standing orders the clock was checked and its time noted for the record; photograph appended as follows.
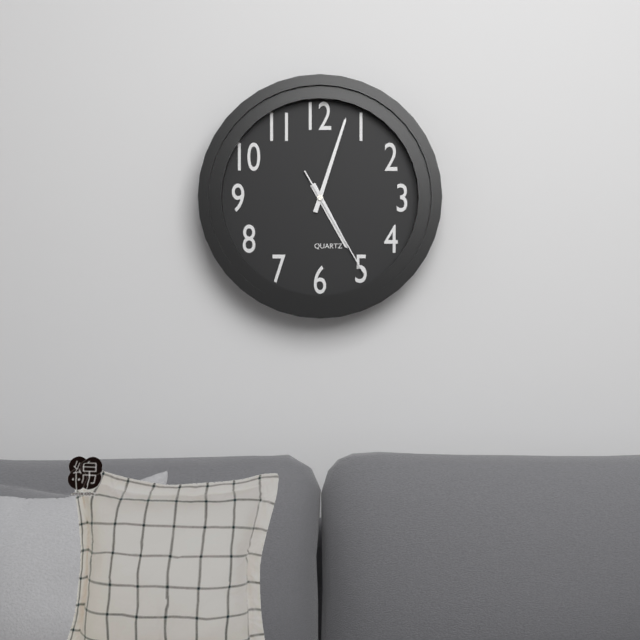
5:03:25
